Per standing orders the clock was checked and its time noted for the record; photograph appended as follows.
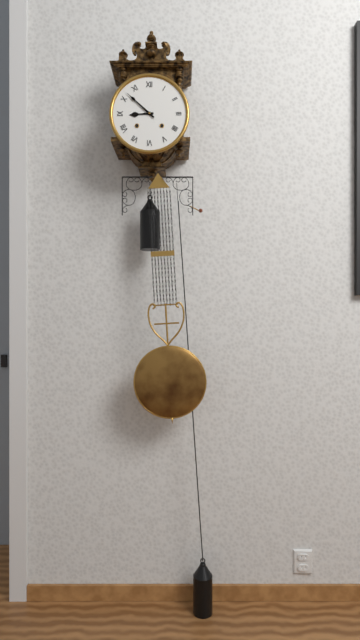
8:52
